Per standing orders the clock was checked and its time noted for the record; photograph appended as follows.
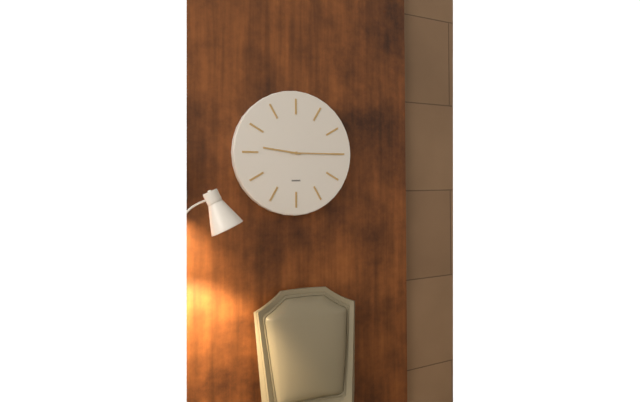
9:15
